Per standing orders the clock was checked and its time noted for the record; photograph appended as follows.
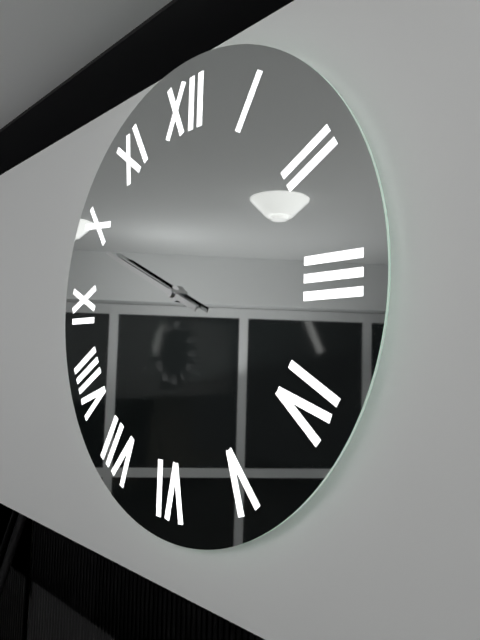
9:49
